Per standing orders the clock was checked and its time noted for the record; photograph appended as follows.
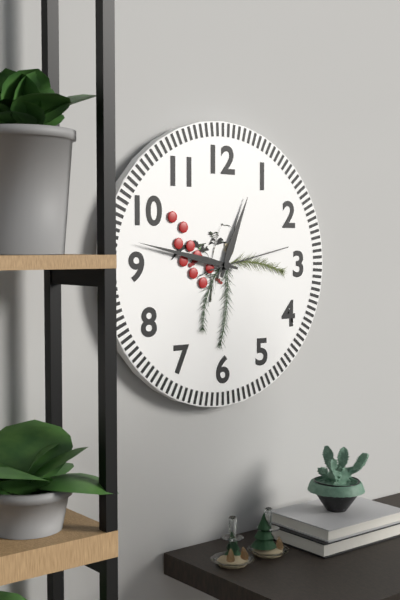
12:47:13
